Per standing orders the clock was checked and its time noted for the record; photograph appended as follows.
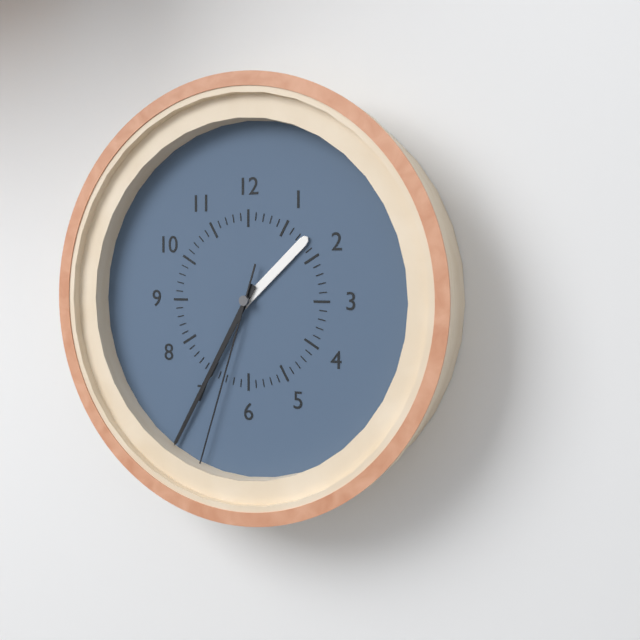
1:35:33
